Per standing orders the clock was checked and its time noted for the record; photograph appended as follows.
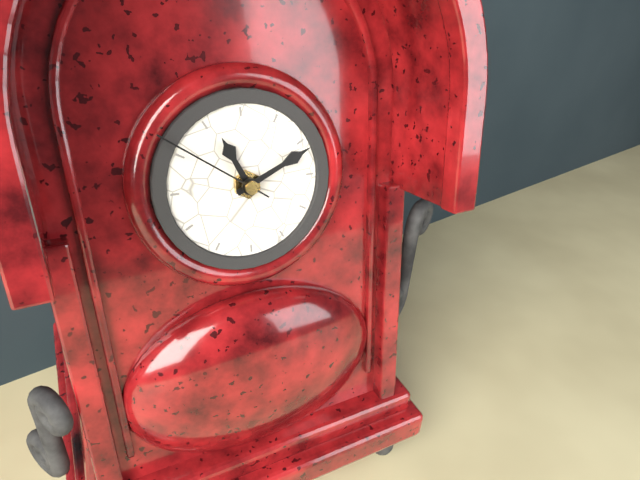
11:11:51
